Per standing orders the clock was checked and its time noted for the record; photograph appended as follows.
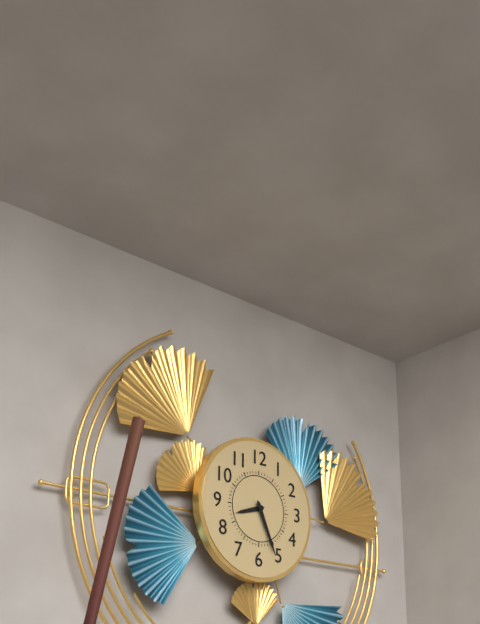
8:26
